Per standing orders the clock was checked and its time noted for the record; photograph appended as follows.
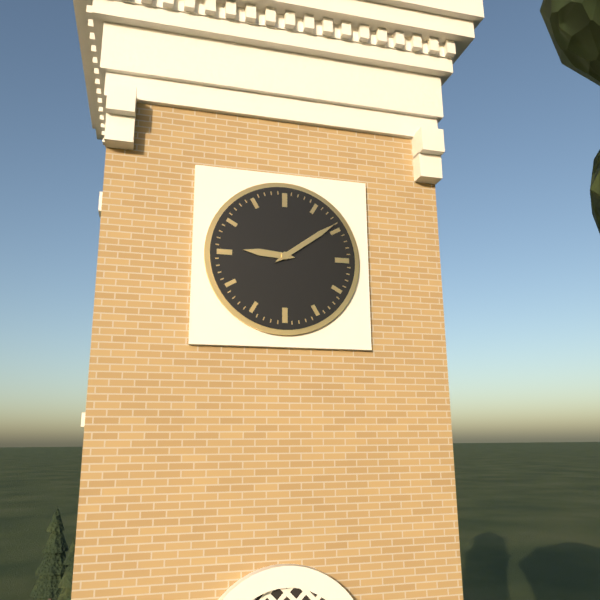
9:09
